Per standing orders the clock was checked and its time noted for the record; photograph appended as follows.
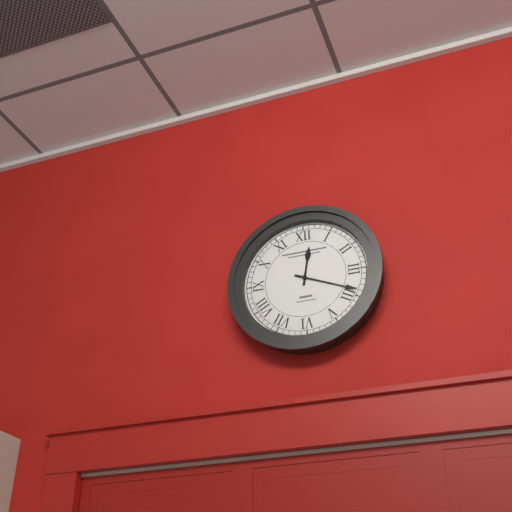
12:19
